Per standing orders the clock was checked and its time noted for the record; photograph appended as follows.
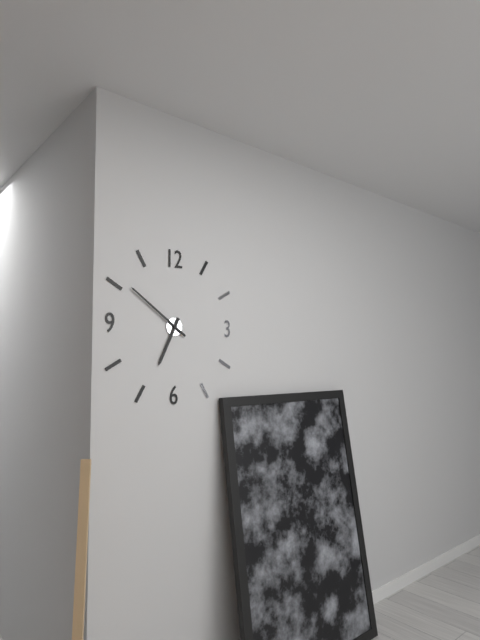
6:51
